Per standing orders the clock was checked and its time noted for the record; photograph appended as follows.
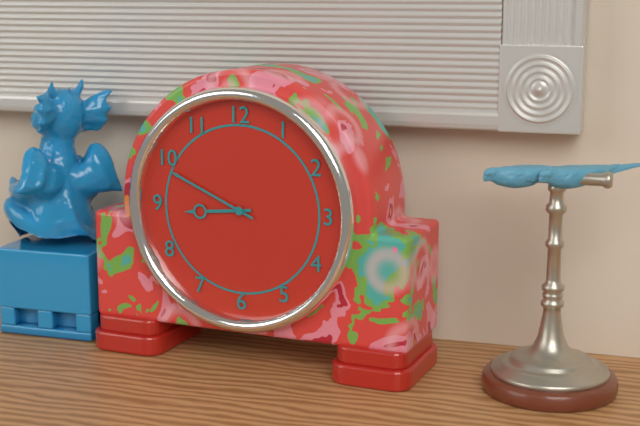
8:49
